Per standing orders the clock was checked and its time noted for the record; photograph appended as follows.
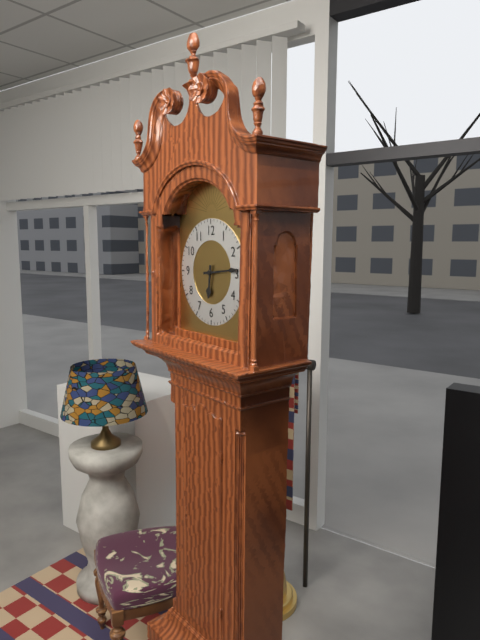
6:14
